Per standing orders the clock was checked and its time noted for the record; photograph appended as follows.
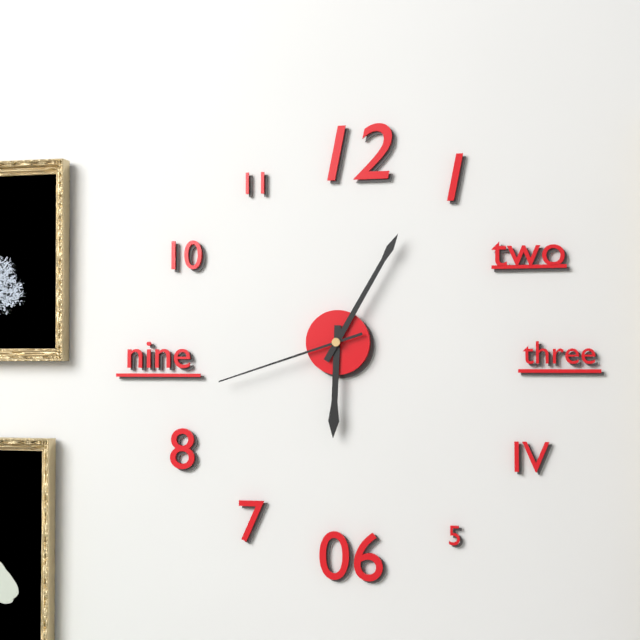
6:05:42
